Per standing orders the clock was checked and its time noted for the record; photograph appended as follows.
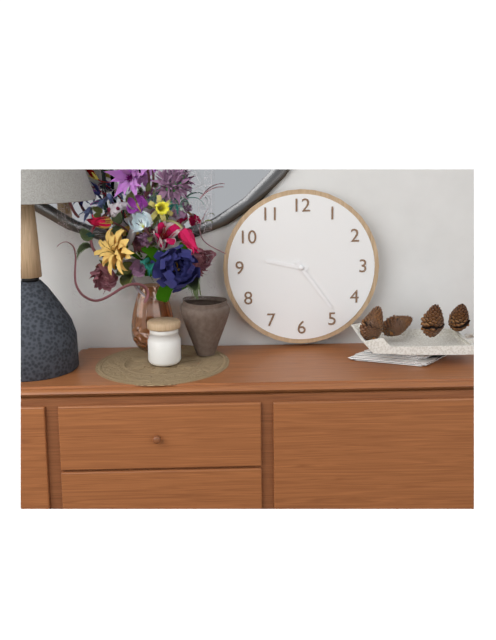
9:24
